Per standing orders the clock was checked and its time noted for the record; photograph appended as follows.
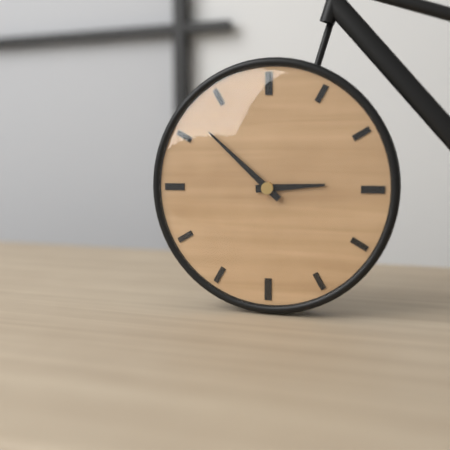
2:52
